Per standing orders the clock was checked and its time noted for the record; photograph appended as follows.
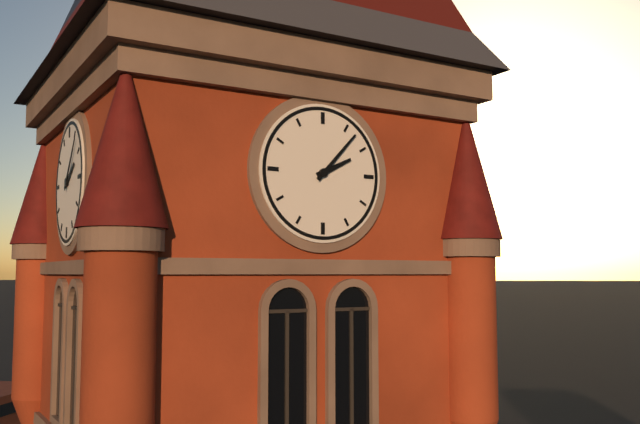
2:07
